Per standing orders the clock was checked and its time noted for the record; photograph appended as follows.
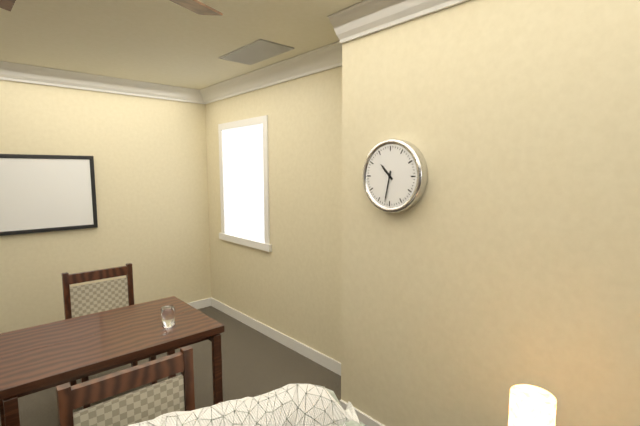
10:32
